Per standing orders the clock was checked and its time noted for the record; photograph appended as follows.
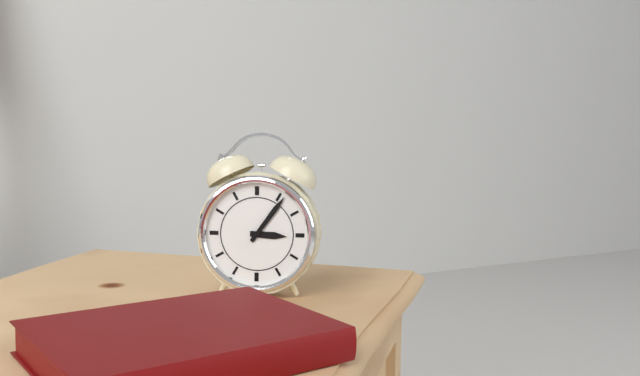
3:06
